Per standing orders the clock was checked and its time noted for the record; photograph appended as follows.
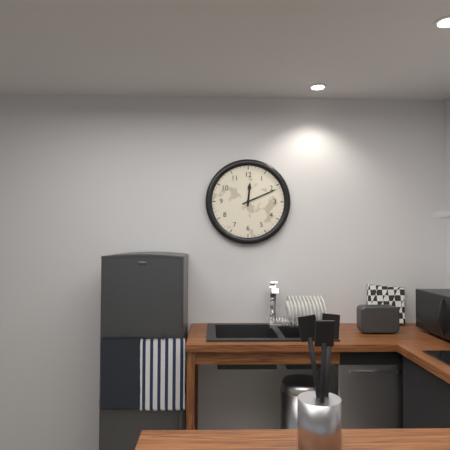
12:11
